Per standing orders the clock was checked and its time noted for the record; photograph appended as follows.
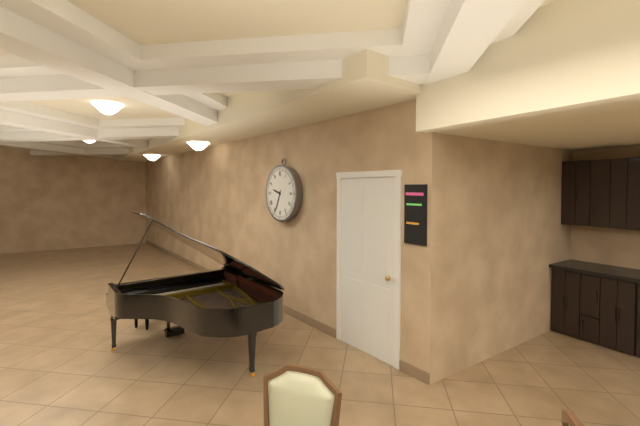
9:34
